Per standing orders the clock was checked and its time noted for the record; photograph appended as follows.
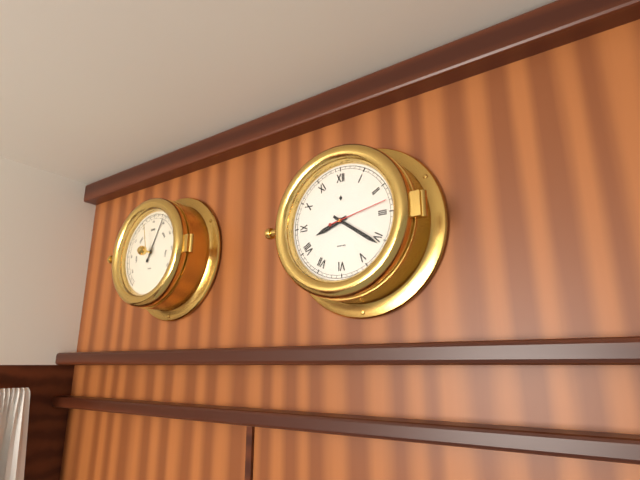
8:21
